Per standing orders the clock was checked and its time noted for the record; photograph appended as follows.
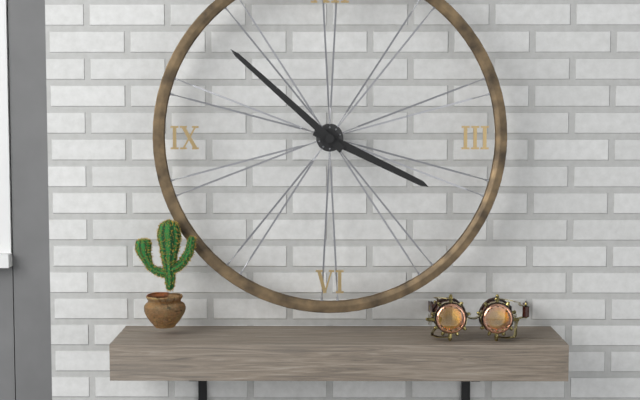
3:52
